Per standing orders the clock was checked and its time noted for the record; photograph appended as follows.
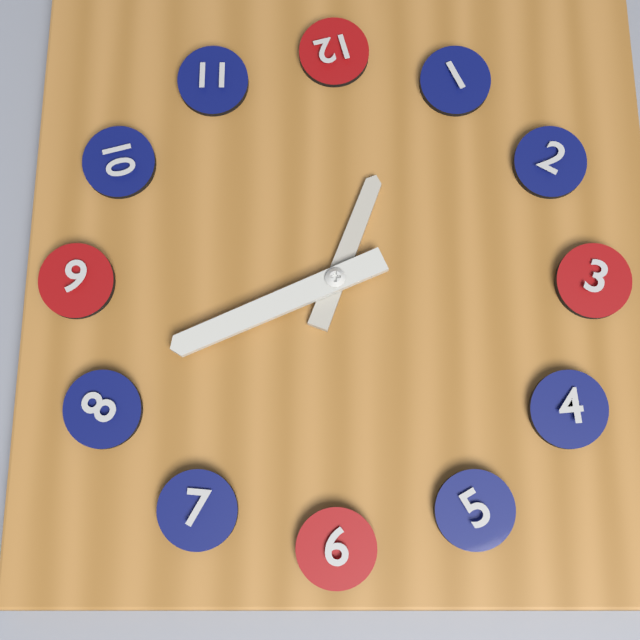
12:41
